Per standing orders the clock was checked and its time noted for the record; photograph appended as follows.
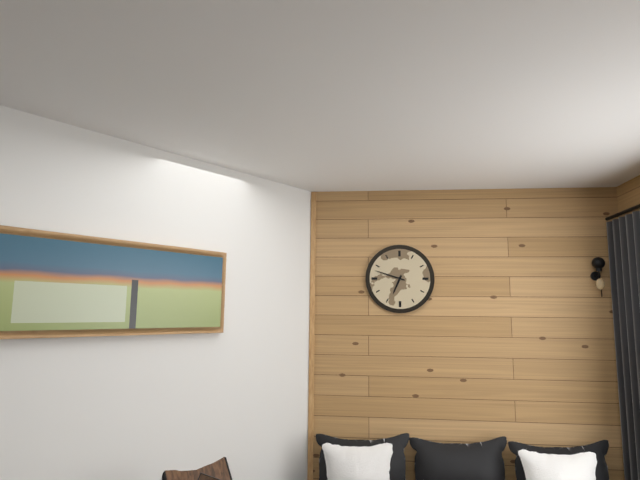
6:48
